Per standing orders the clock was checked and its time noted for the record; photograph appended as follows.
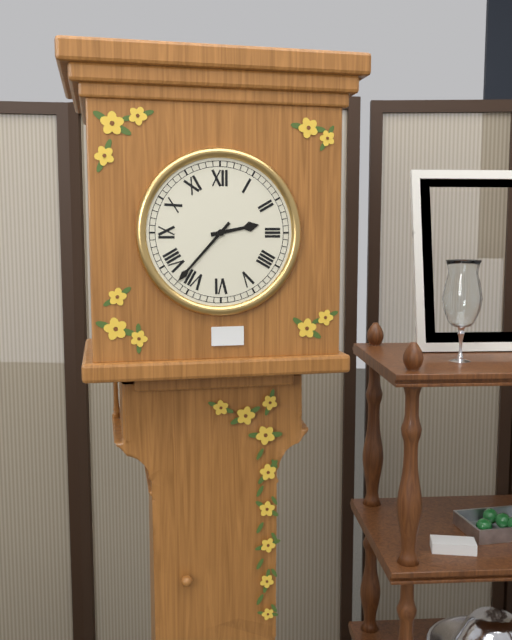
2:37
